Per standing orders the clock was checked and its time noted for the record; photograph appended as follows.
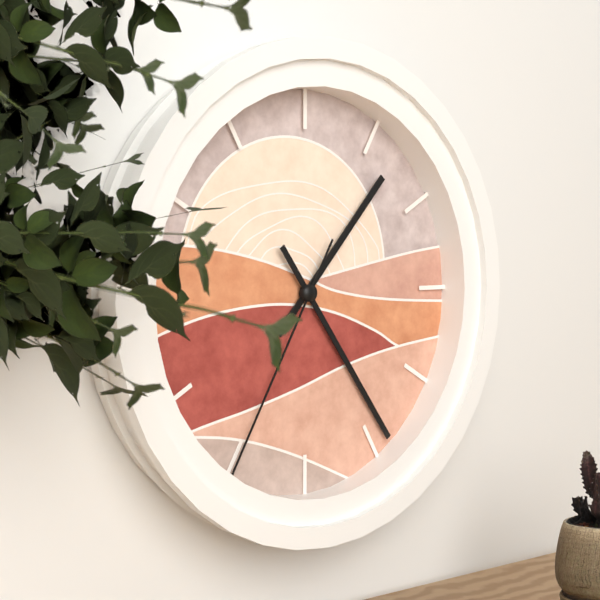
1:24:35
